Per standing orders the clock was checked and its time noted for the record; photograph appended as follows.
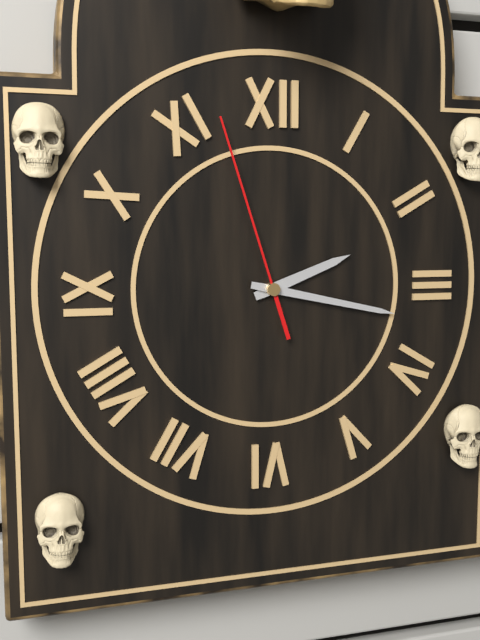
2:17:57
